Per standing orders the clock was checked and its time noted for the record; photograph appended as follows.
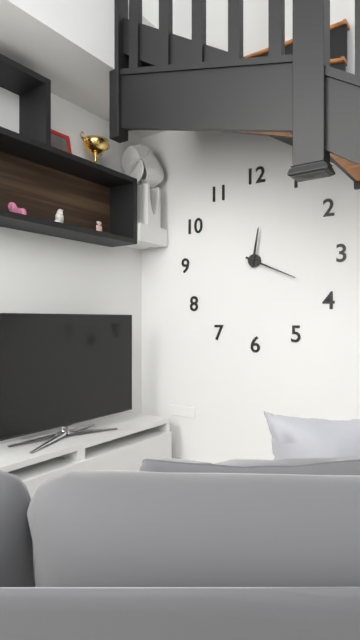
12:19
